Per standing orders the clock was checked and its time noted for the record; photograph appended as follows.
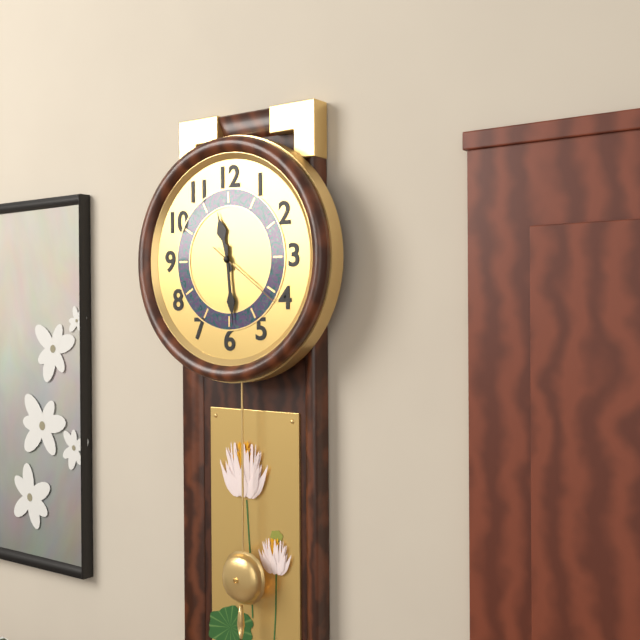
11:29:21
